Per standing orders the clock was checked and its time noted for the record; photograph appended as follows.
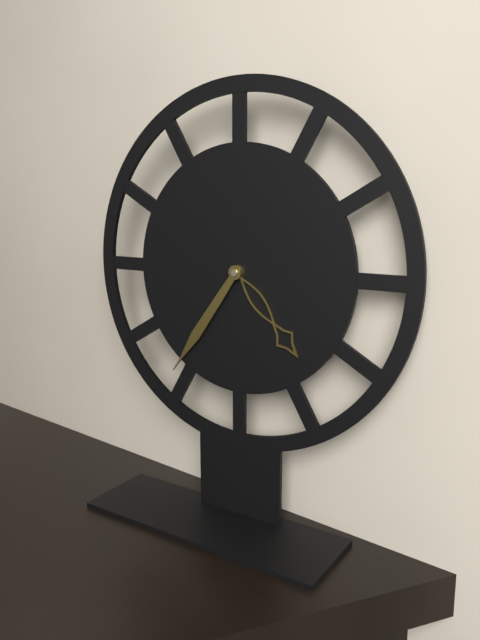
4:36
